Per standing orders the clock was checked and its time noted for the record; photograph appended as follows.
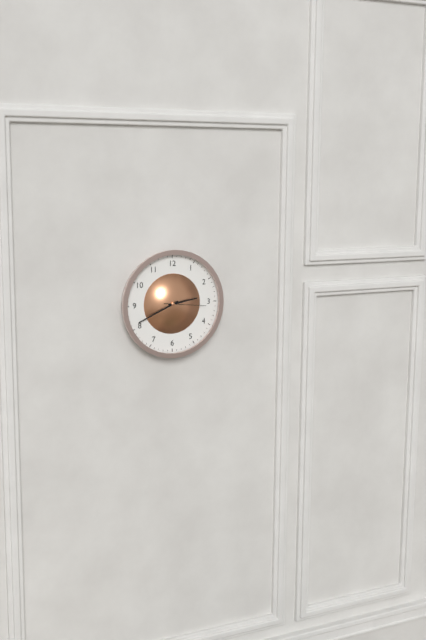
2:41
